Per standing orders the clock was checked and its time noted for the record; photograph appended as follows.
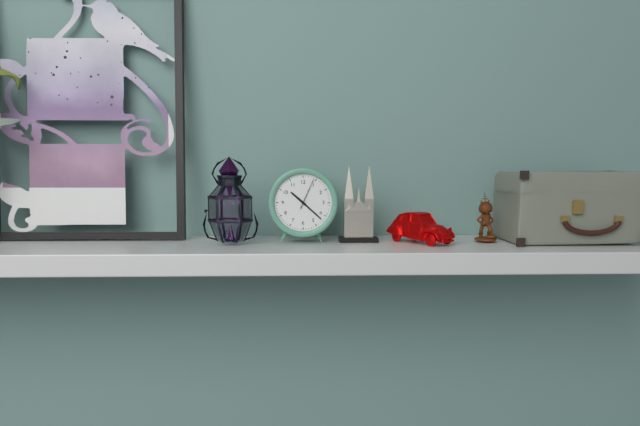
10:22
